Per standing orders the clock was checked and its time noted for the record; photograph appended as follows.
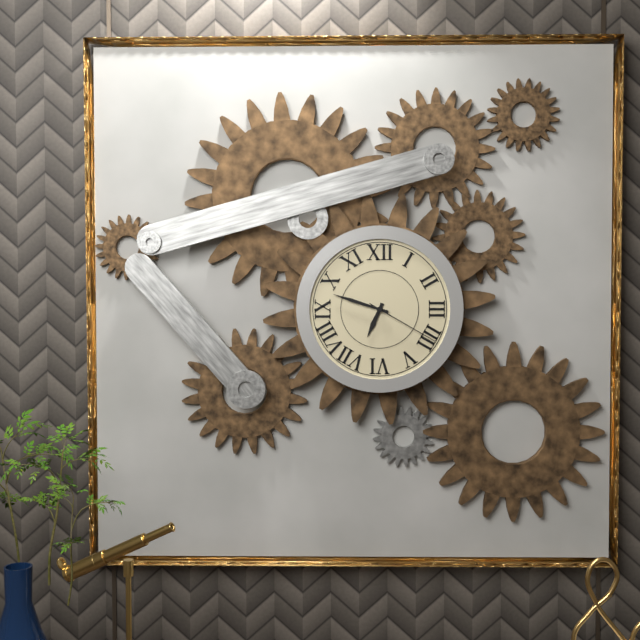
6:48:20
